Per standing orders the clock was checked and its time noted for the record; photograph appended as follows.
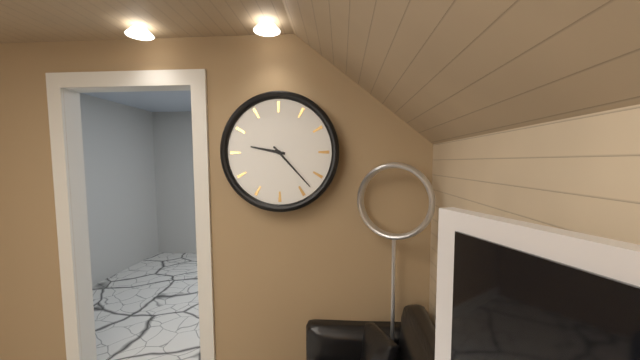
9:23
